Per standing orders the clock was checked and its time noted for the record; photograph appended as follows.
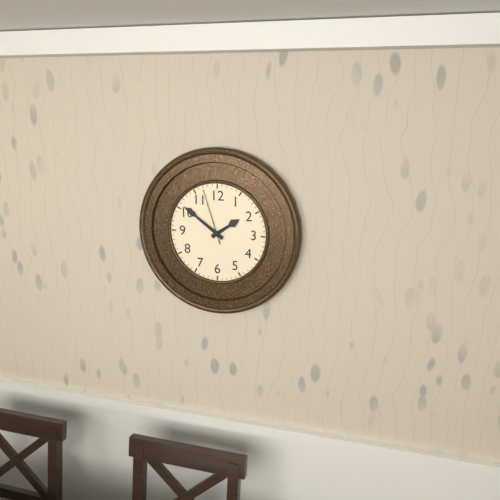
1:51:57
